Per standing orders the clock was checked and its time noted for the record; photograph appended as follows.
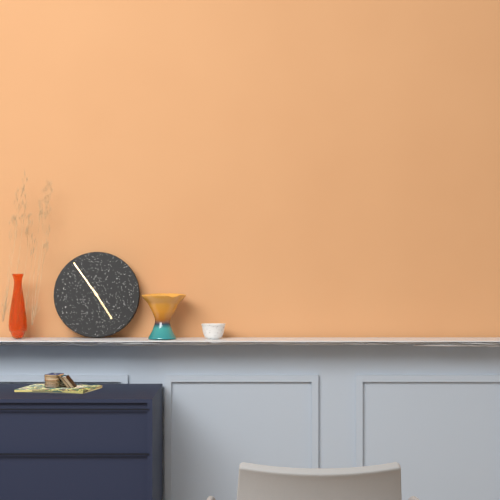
4:54
